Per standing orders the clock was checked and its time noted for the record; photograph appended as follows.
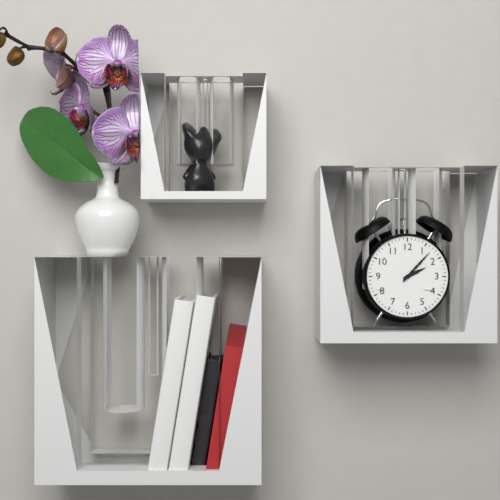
2:07
